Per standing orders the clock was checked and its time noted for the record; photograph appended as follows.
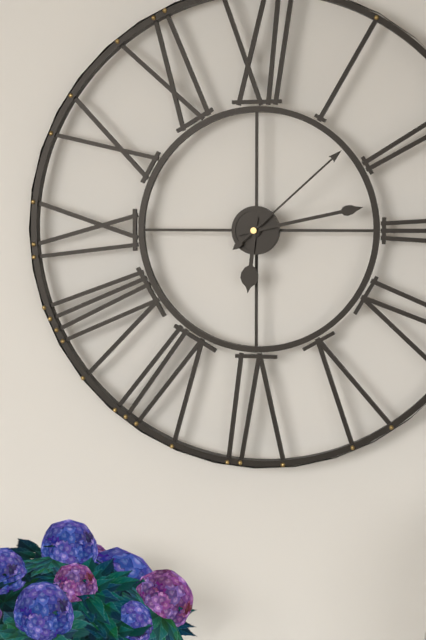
6:13:08
